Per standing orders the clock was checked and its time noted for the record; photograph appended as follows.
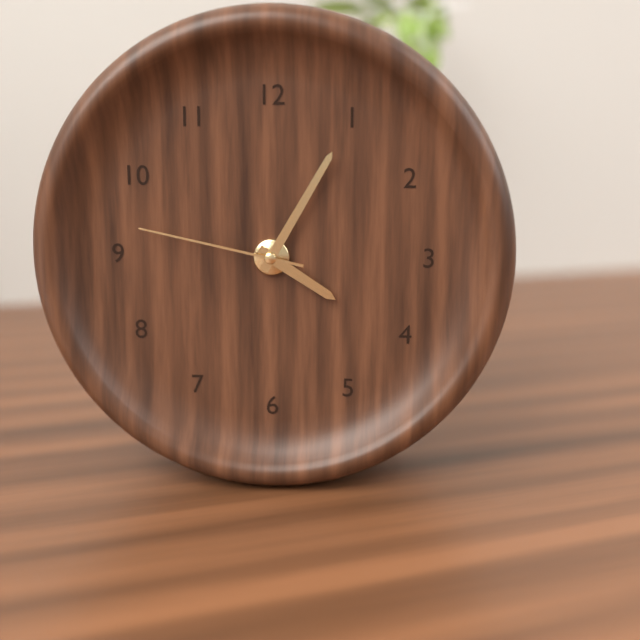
4:05:47
